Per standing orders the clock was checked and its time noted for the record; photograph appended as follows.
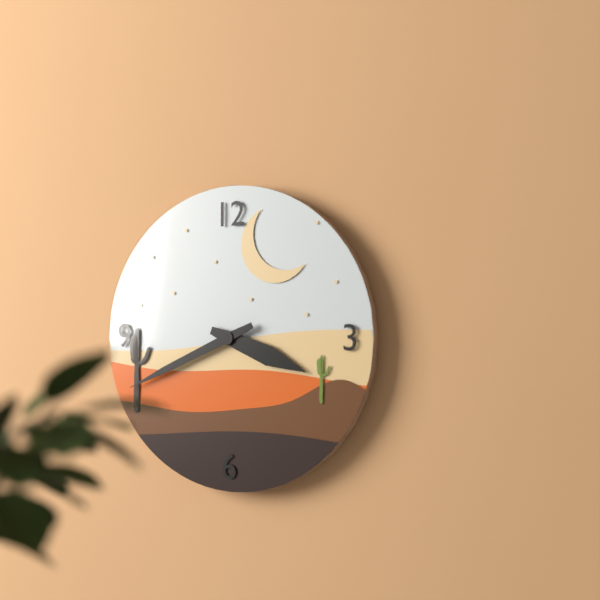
3:41
